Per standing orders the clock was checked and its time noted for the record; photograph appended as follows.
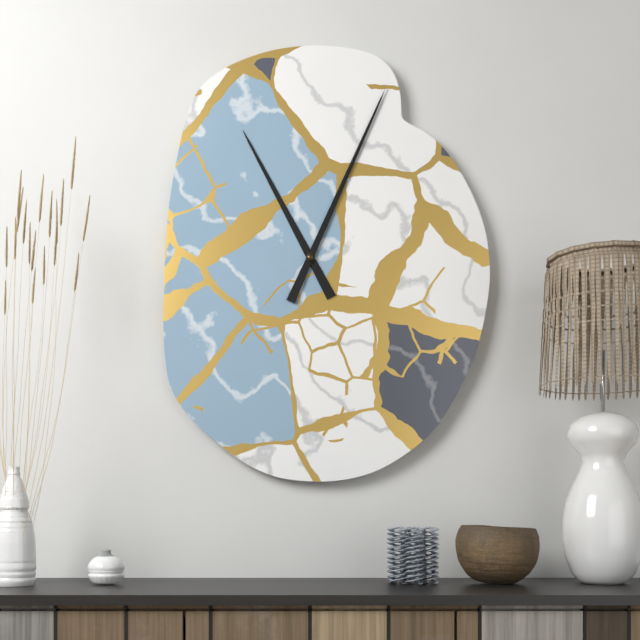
11:04
